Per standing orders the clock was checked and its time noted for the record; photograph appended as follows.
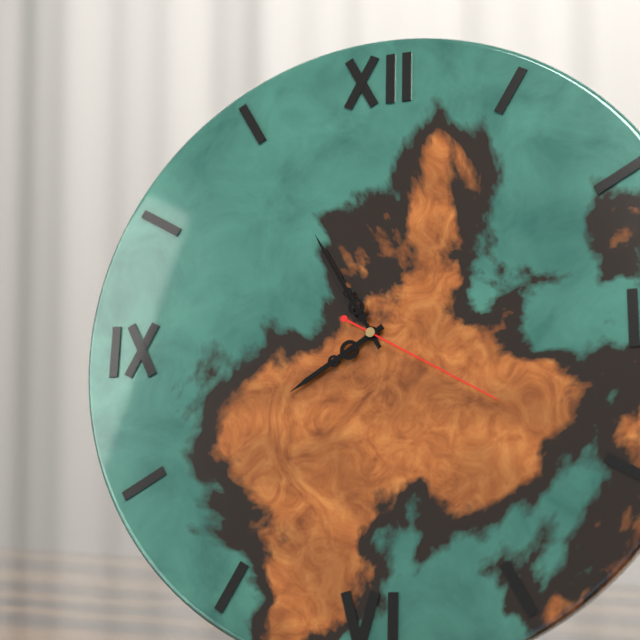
7:55:20
